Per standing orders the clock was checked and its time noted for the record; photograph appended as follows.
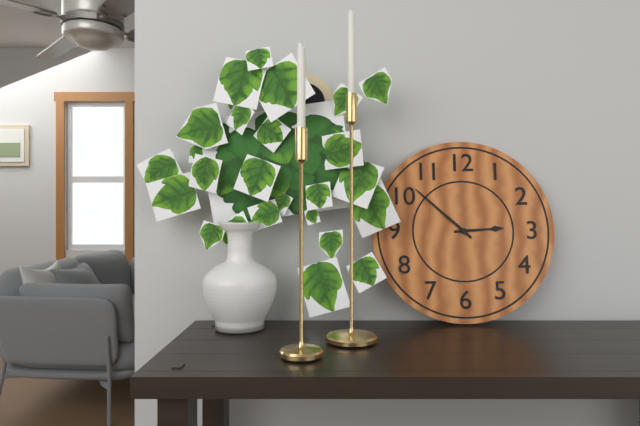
2:52
